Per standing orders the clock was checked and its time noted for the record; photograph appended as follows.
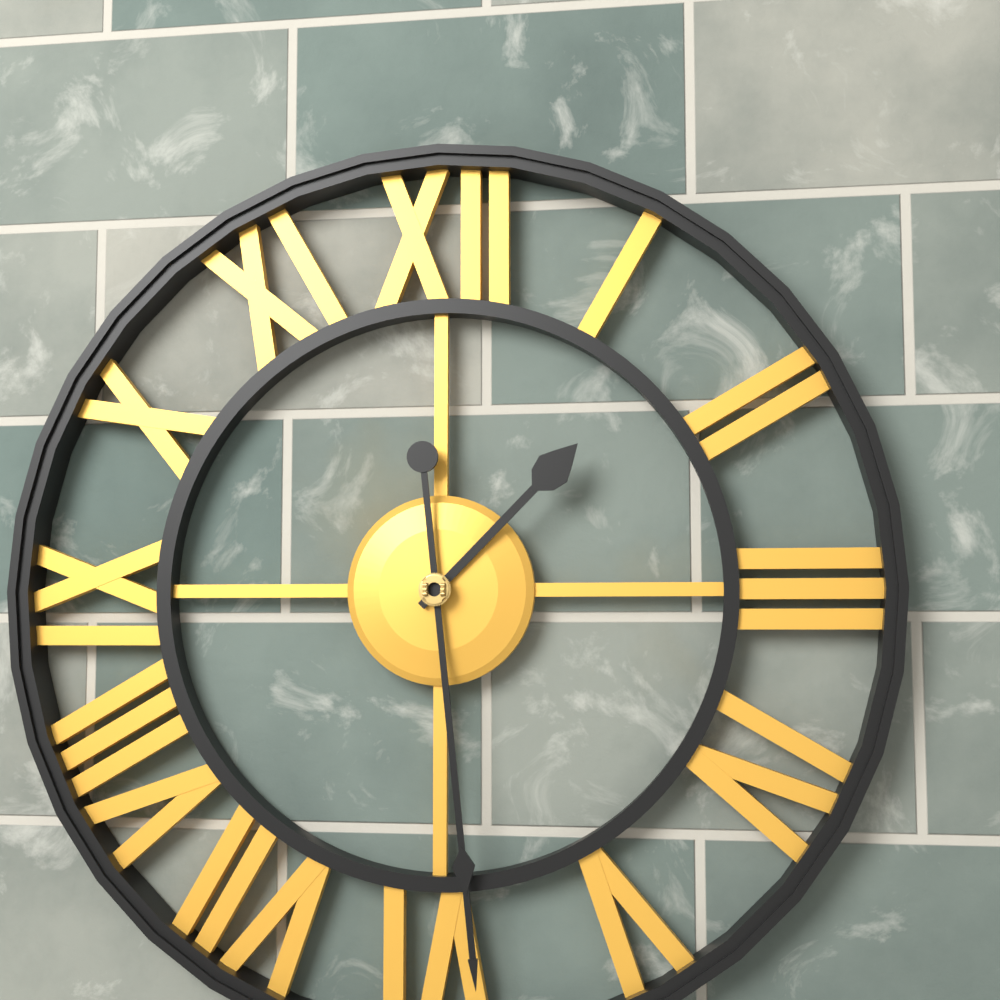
1:29
